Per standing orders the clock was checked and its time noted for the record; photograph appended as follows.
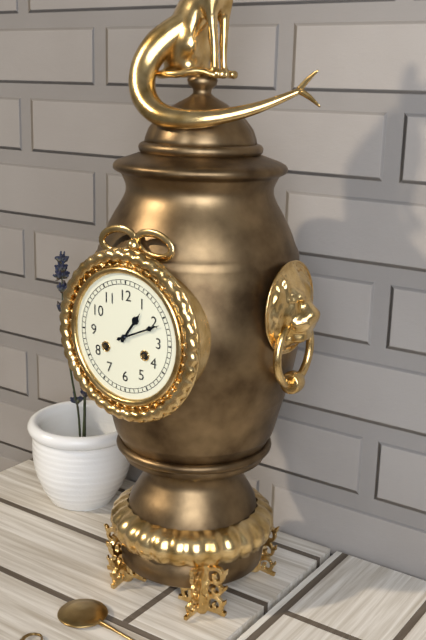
1:11
